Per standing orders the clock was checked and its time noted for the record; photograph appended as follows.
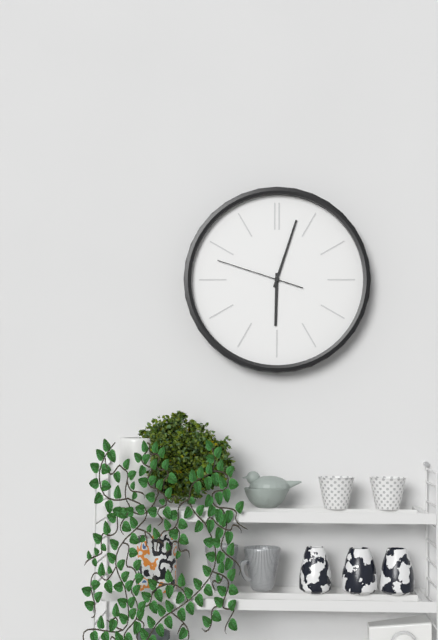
6:03:48
